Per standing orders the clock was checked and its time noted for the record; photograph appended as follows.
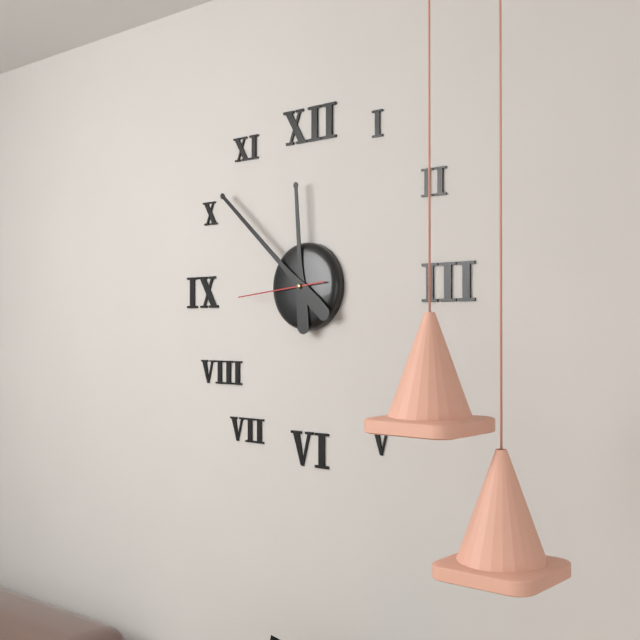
11:52:44
